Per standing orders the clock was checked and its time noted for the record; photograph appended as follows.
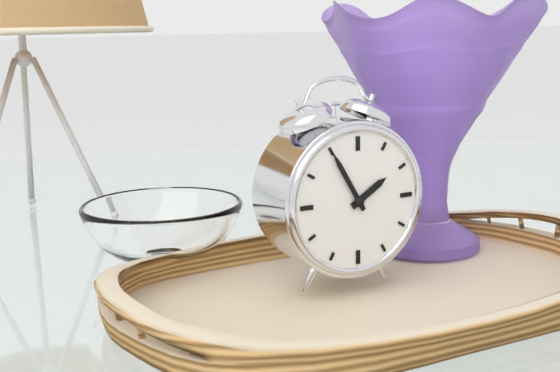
1:55
